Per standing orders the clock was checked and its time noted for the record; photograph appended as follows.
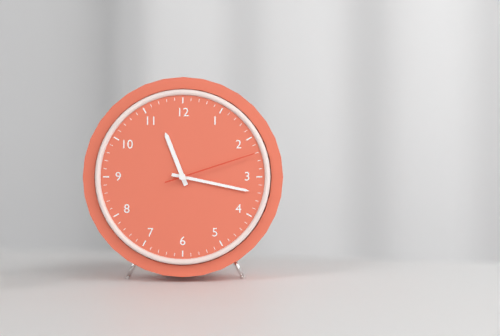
11:17:12
